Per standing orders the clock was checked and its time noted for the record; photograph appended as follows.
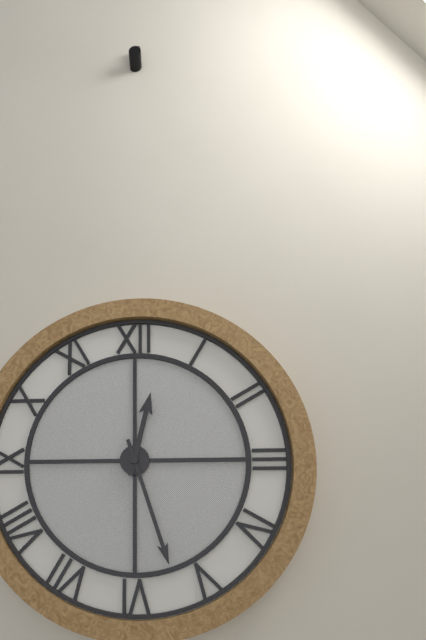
12:27
